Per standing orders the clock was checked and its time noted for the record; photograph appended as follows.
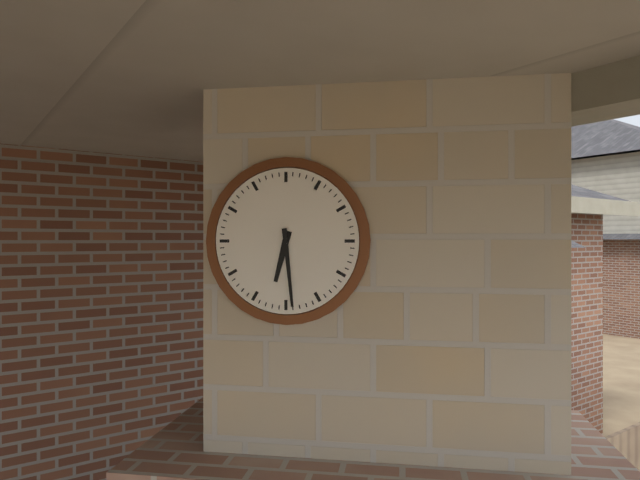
6:29
